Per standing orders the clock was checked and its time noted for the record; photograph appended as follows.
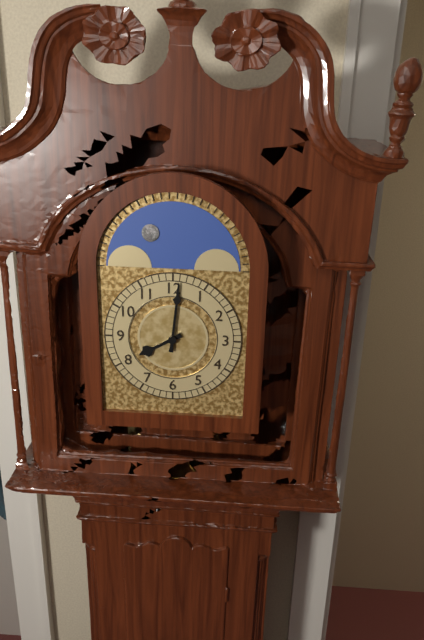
8:01
